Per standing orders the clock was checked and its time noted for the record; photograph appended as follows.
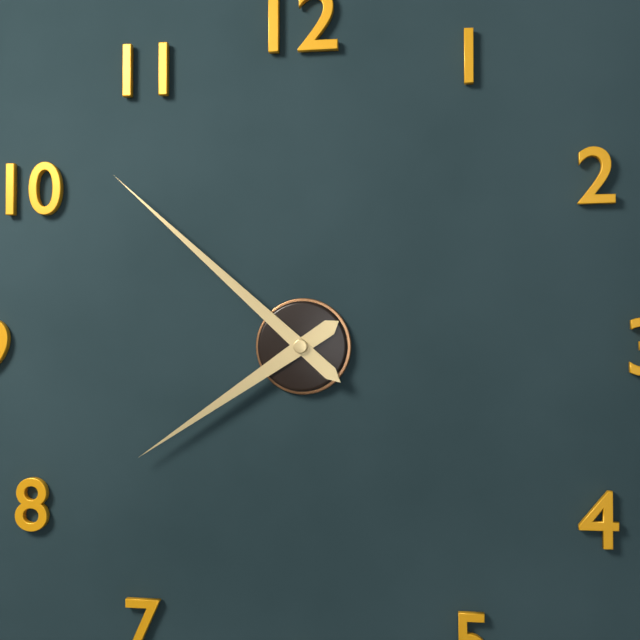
7:52
